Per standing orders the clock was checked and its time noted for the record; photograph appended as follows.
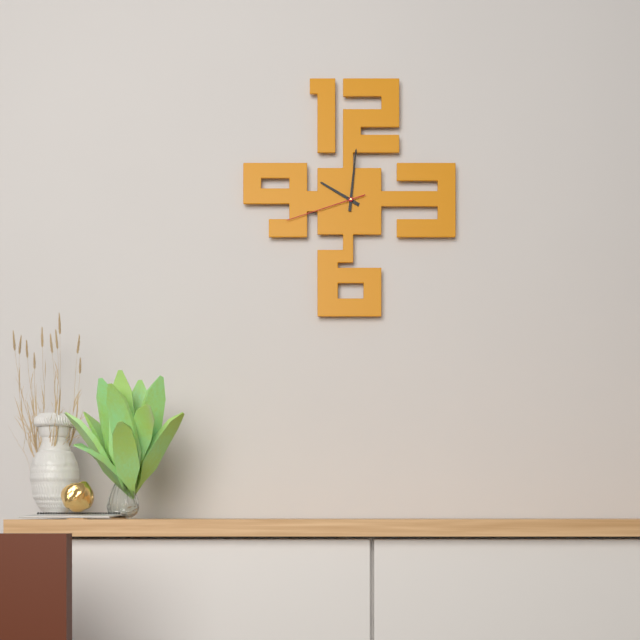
10:01:42
